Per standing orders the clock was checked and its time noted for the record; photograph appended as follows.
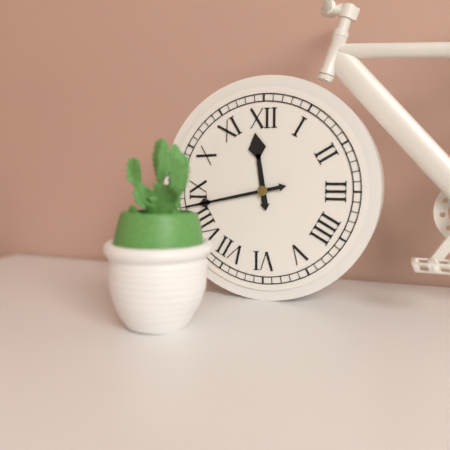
11:43
